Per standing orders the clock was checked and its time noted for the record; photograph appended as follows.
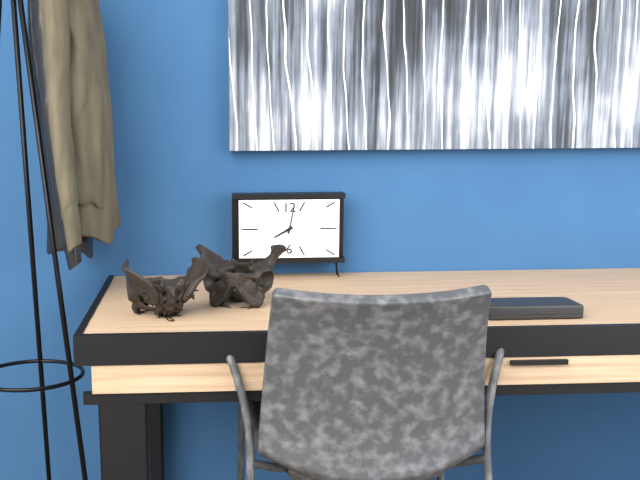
8:02
